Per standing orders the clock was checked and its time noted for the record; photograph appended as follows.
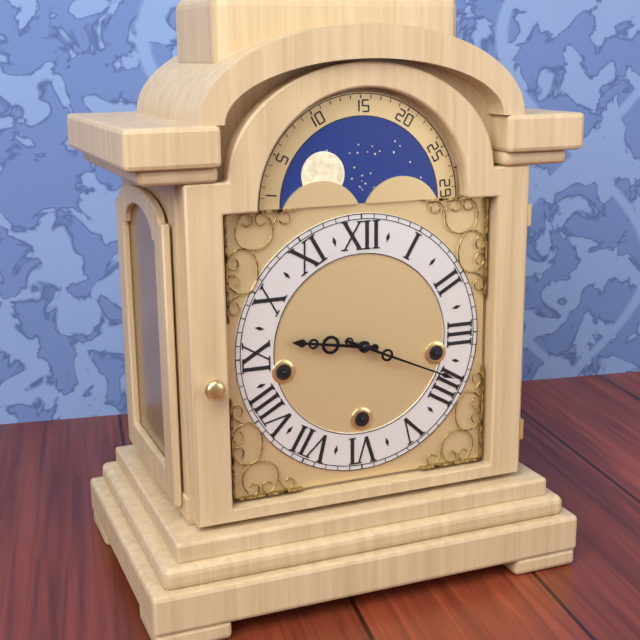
9:19
